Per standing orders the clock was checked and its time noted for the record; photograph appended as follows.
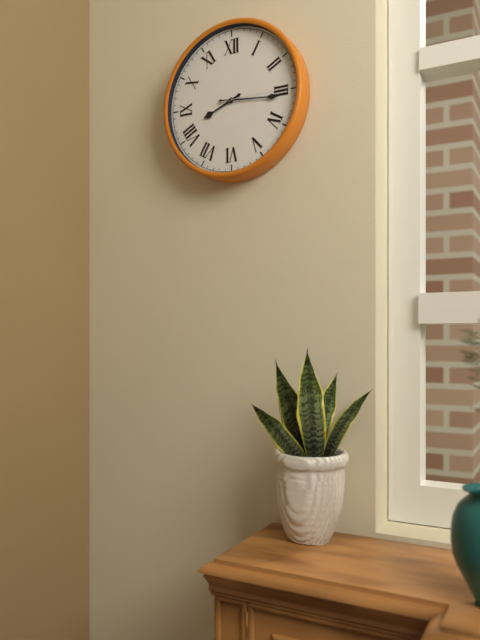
8:16:15
